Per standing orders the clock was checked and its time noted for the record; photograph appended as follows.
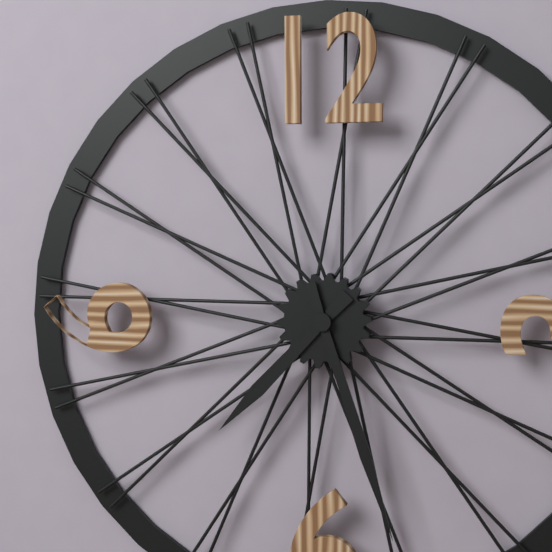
7:27
